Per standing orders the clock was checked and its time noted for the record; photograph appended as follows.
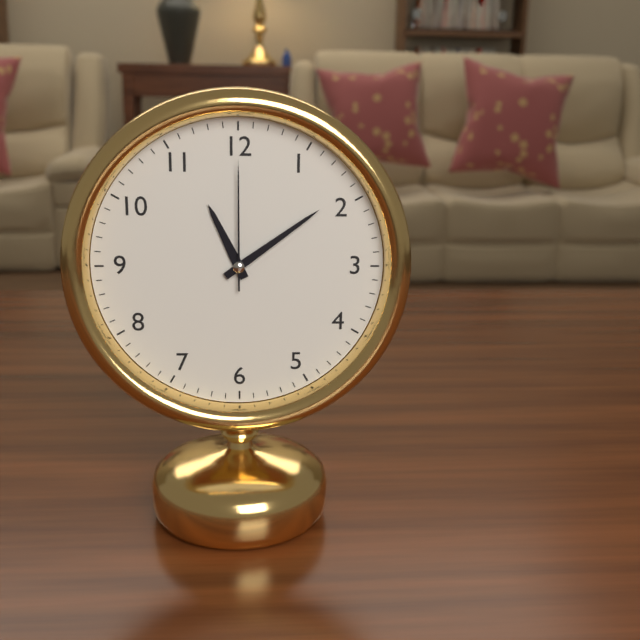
11:09:00
